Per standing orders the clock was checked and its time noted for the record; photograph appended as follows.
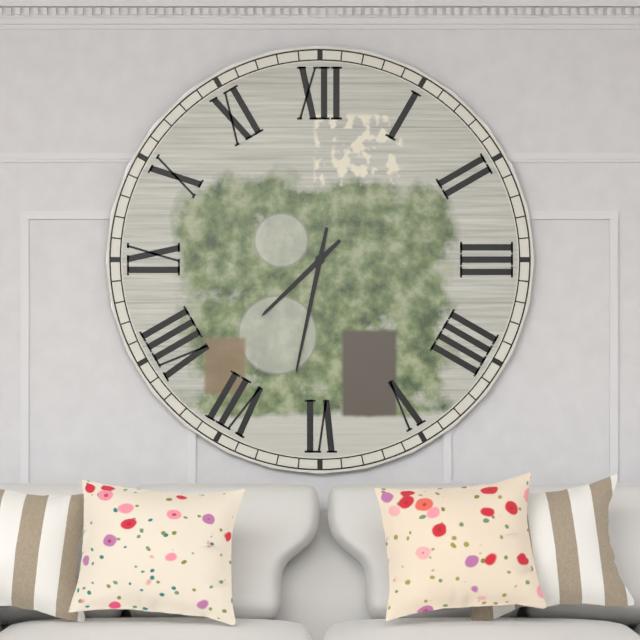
7:32
